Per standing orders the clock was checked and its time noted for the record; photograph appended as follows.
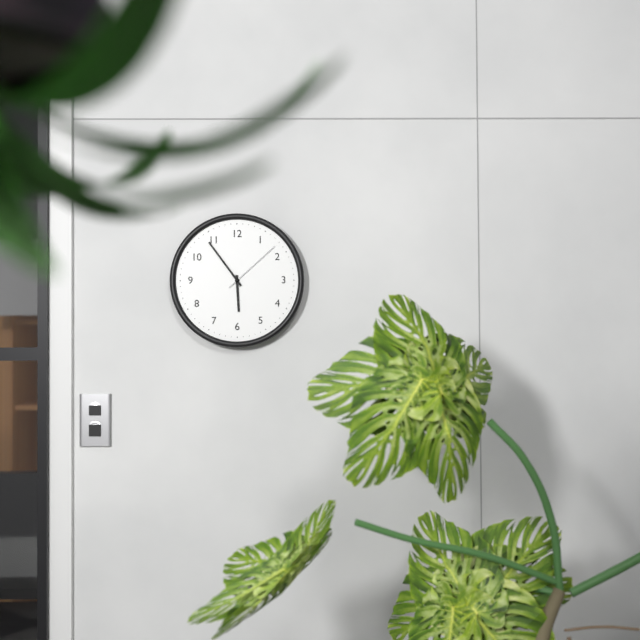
5:54:08
